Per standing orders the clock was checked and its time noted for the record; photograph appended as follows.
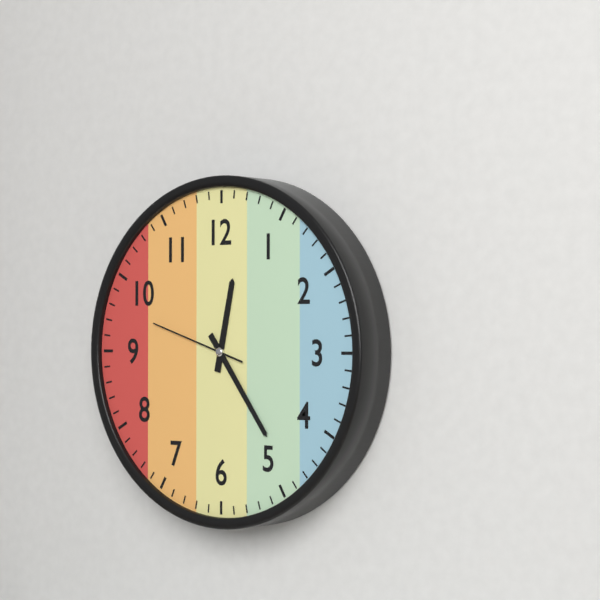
12:24:48
